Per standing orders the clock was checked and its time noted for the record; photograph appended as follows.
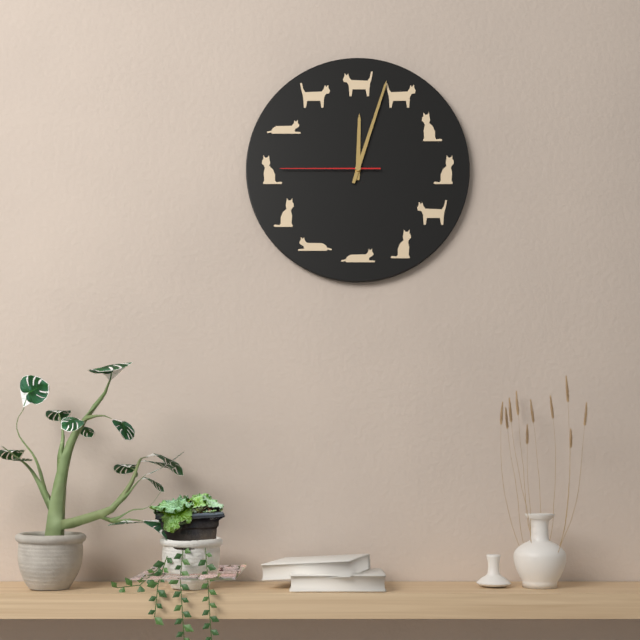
12:03:45
